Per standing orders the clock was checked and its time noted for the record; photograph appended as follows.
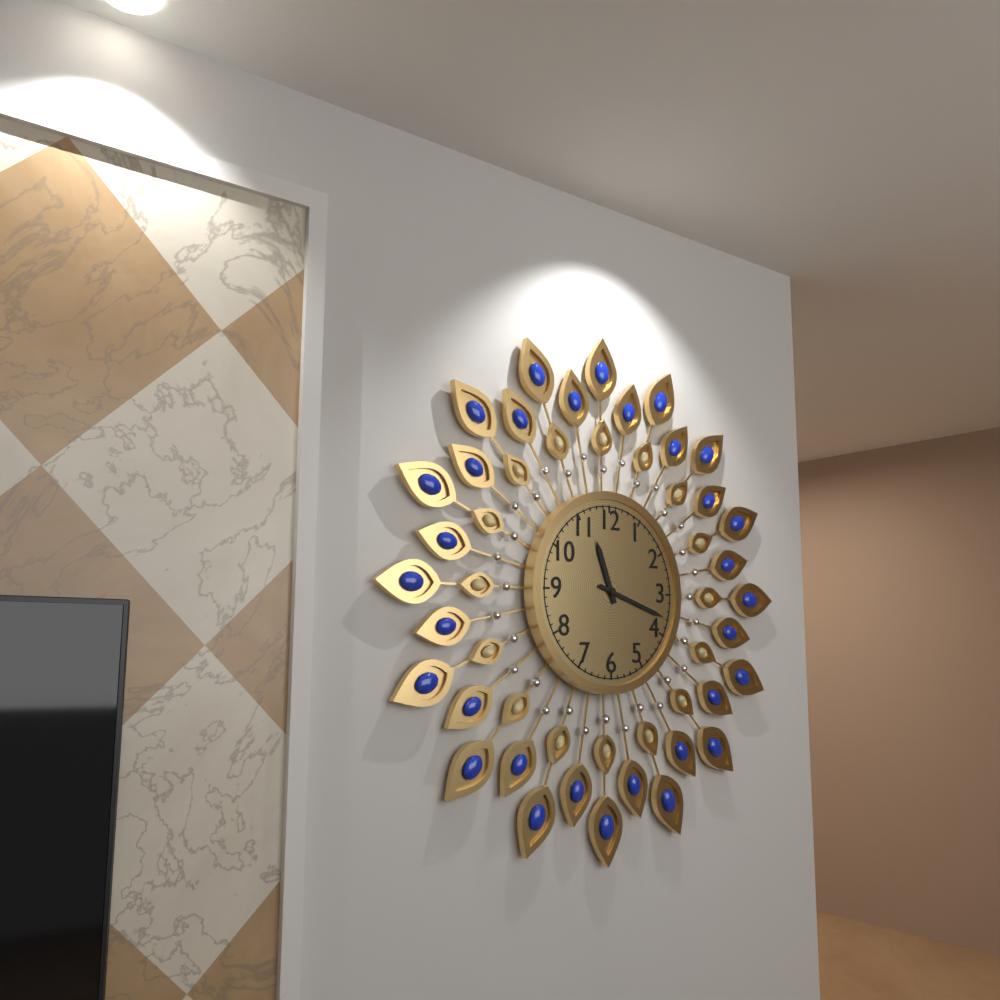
11:18
